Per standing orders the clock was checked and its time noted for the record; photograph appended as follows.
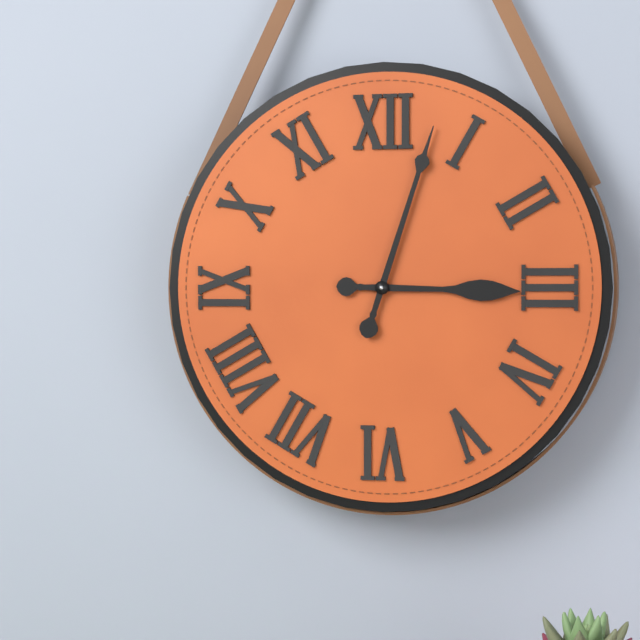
3:03
